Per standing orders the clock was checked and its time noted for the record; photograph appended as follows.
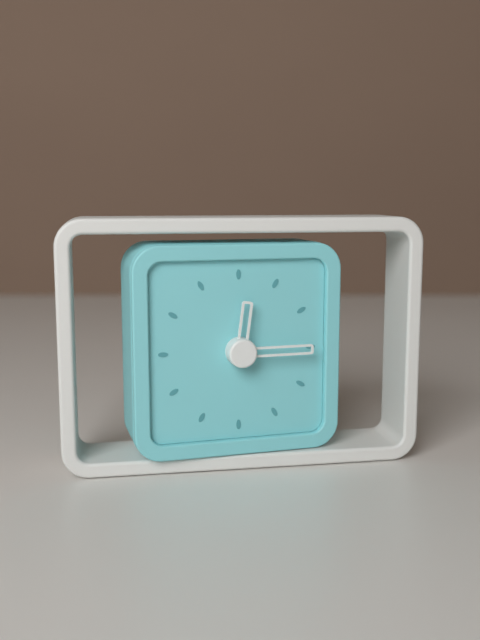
12:15
